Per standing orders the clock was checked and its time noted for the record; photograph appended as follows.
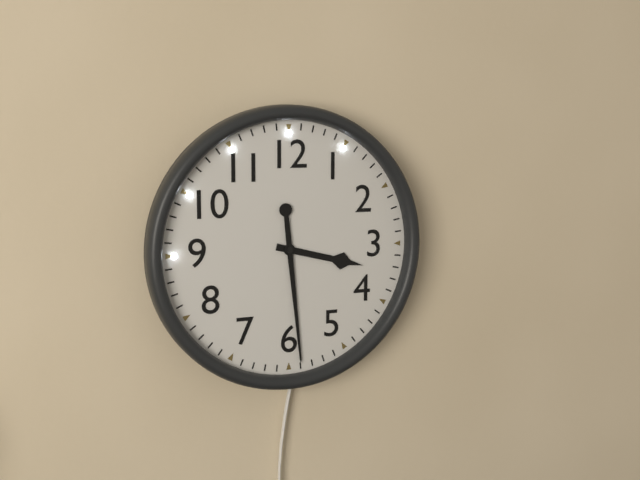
3:29
